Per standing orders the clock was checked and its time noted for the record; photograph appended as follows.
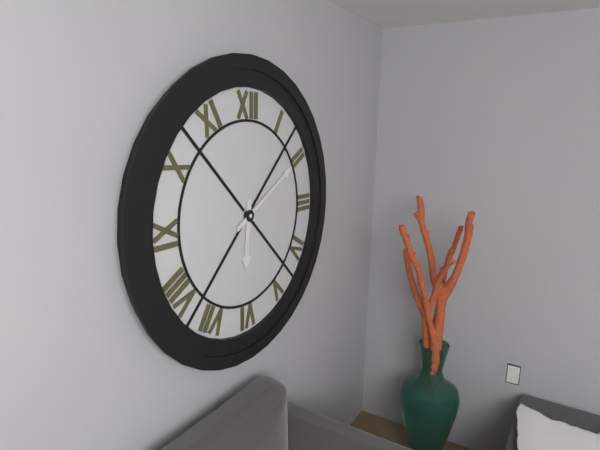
6:10
